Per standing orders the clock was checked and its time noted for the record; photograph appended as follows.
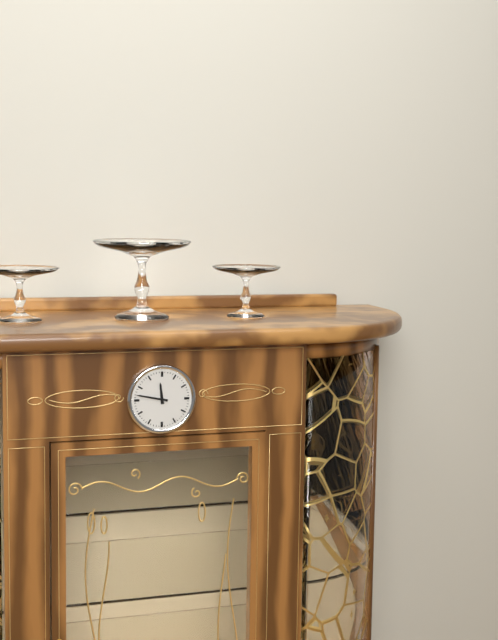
11:47
